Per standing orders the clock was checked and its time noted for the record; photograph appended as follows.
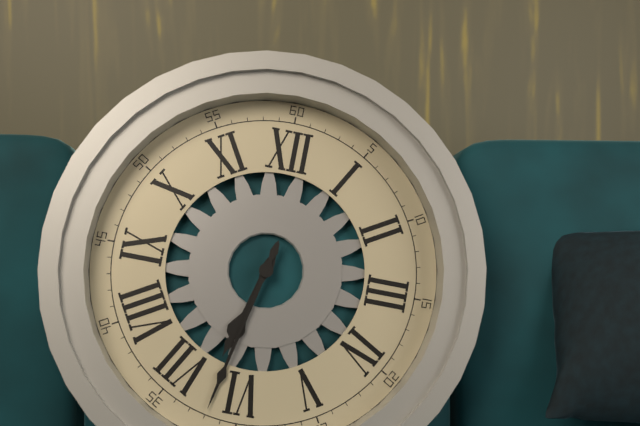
6:32
